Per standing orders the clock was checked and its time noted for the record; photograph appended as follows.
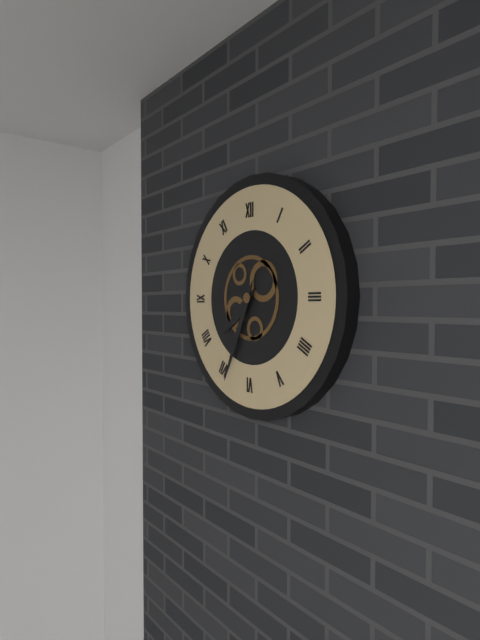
7:34
